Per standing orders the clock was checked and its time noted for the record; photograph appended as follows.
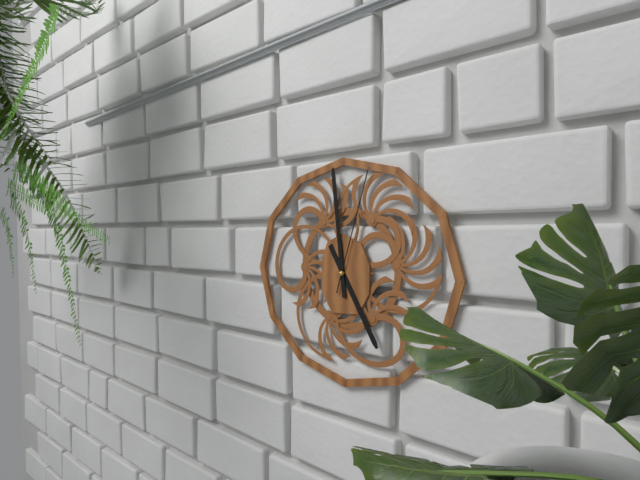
4:59:03
